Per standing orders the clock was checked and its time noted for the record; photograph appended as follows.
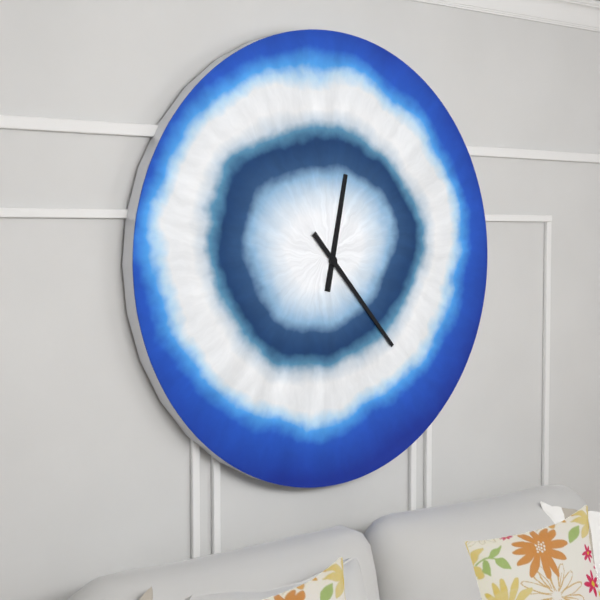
12:23
